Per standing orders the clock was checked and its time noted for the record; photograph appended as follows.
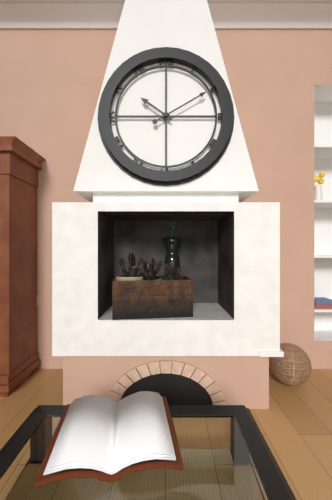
10:10
